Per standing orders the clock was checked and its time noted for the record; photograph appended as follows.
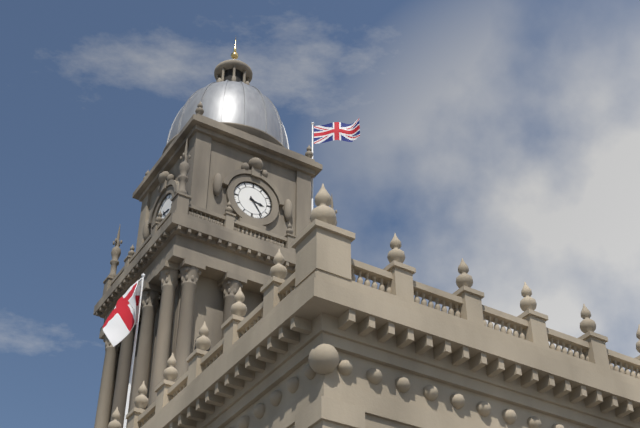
3:24
